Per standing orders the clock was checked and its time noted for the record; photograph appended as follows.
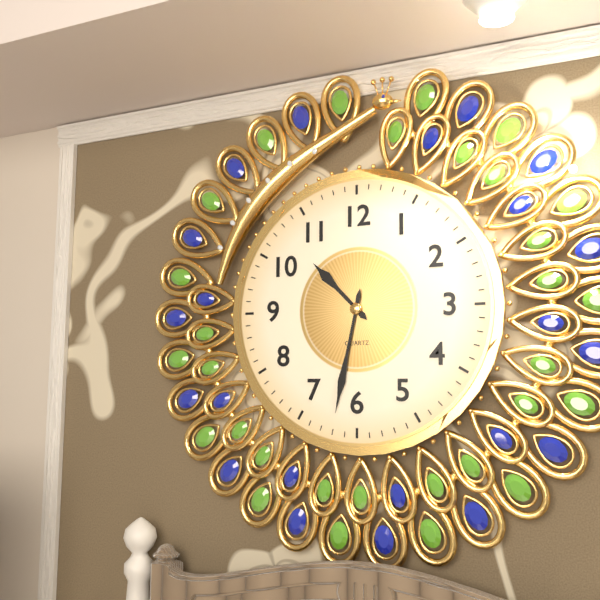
10:32
